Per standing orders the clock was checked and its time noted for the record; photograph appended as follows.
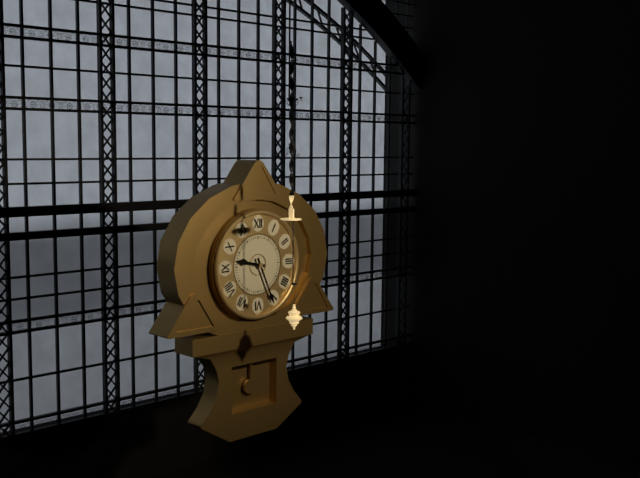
9:26
